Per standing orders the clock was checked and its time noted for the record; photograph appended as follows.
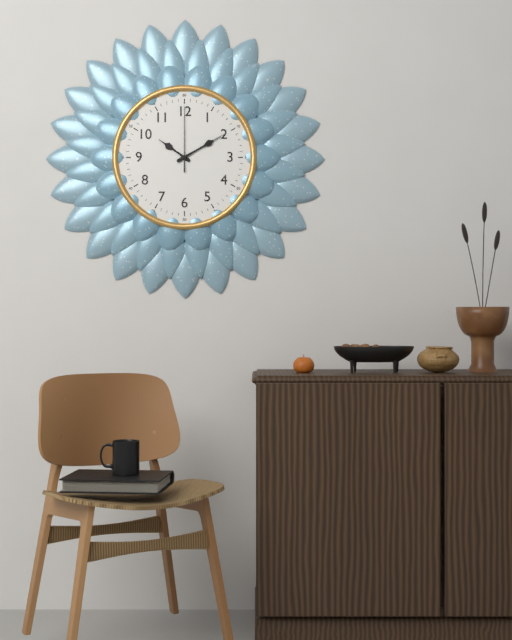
10:10:00
